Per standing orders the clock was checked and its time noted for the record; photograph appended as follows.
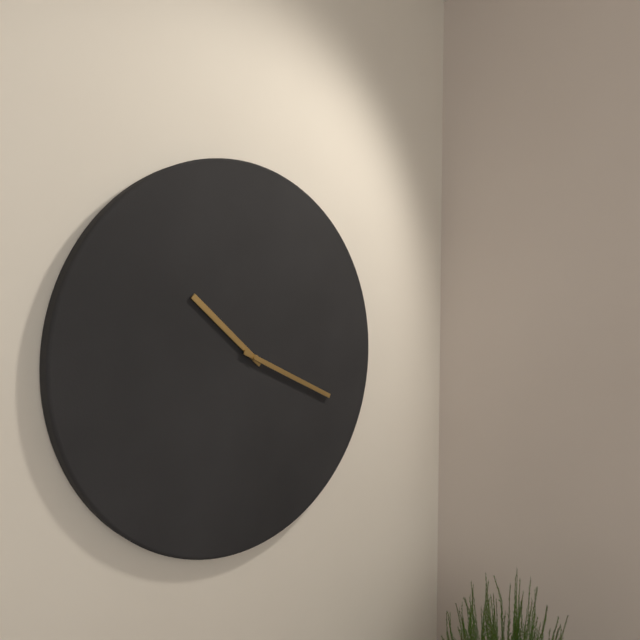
10:19
